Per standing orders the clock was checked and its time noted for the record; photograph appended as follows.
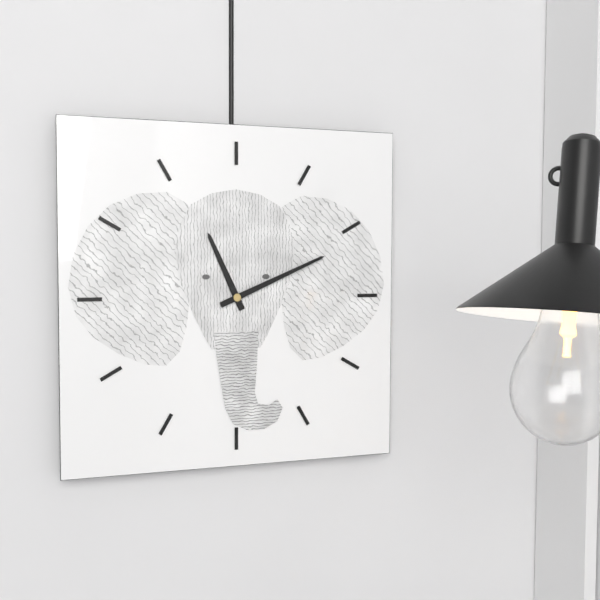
11:11
